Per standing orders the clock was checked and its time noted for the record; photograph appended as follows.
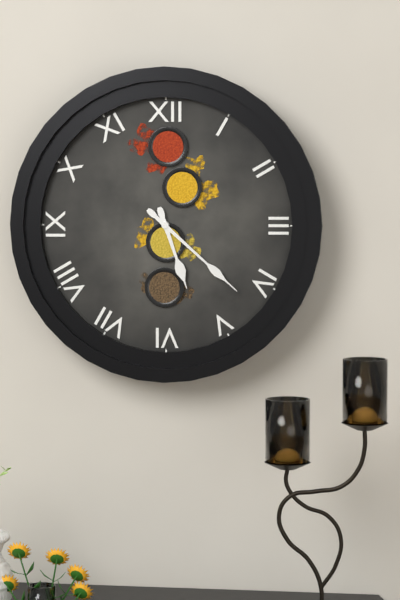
5:22
